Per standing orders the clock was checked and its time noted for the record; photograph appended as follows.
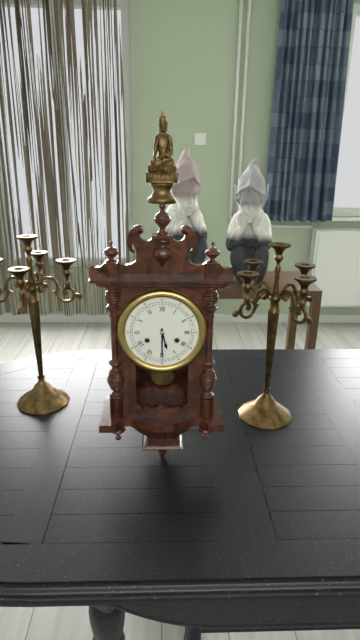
5:30
